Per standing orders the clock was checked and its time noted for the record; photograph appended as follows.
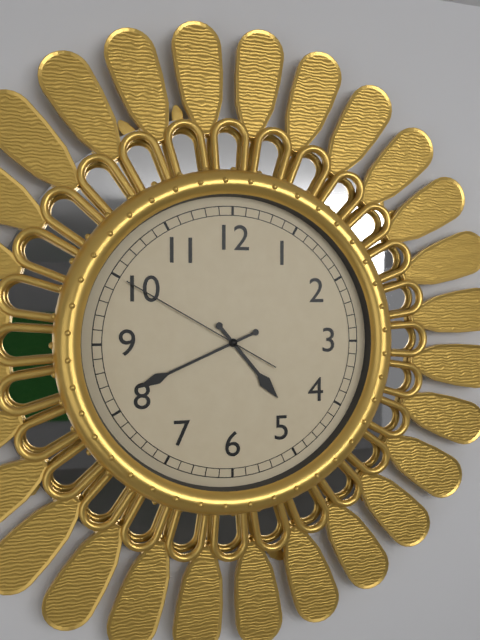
4:41:50
